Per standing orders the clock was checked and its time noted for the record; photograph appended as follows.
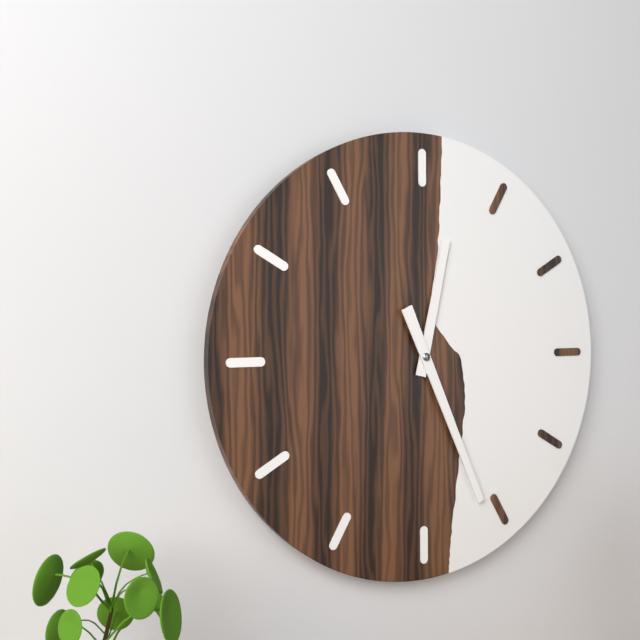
12:26
